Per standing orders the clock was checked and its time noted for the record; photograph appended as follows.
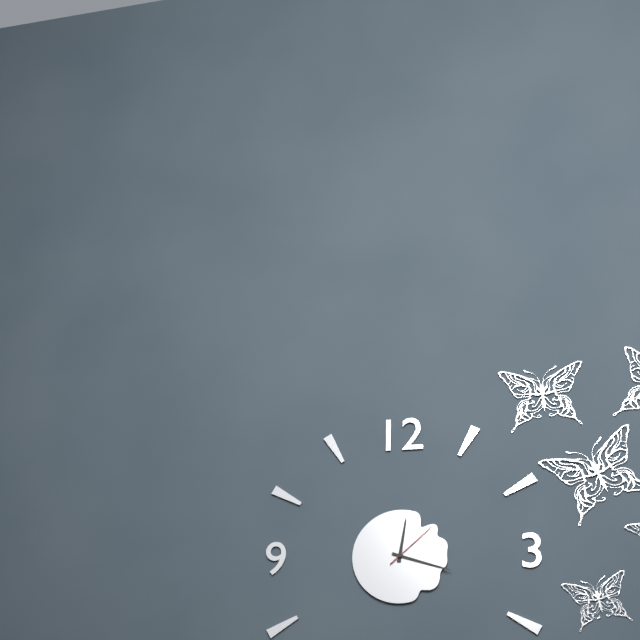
12:18:08
